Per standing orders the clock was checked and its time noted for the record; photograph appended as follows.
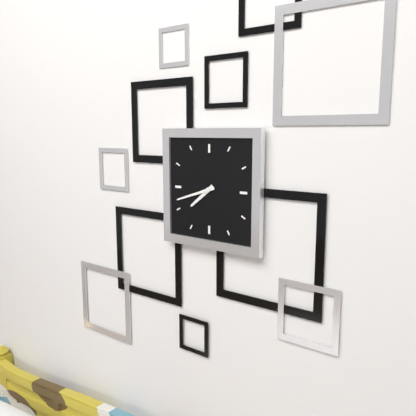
7:42
